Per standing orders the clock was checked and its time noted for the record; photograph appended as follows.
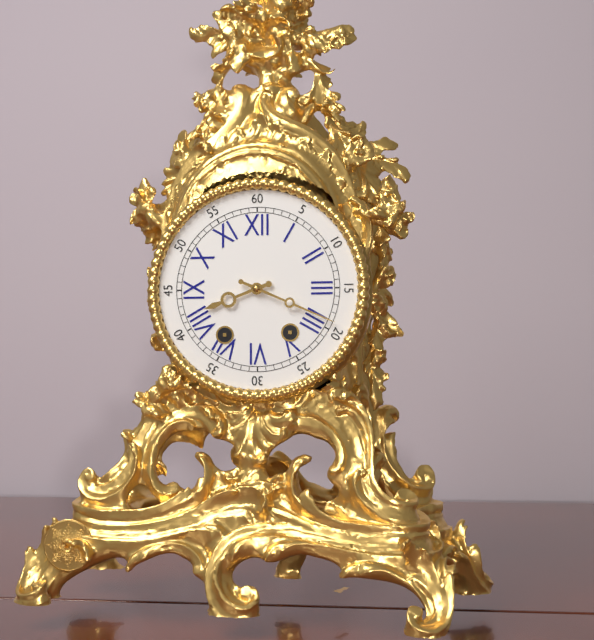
8:19
